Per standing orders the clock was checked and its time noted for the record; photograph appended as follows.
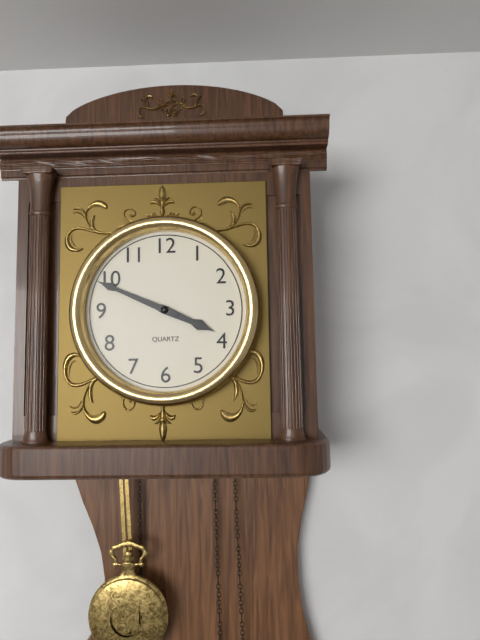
3:49
